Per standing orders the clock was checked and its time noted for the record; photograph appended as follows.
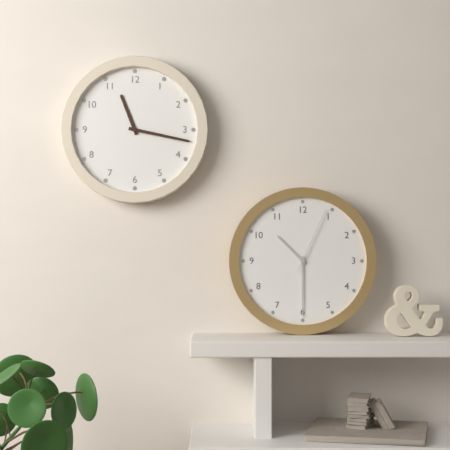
11:17
